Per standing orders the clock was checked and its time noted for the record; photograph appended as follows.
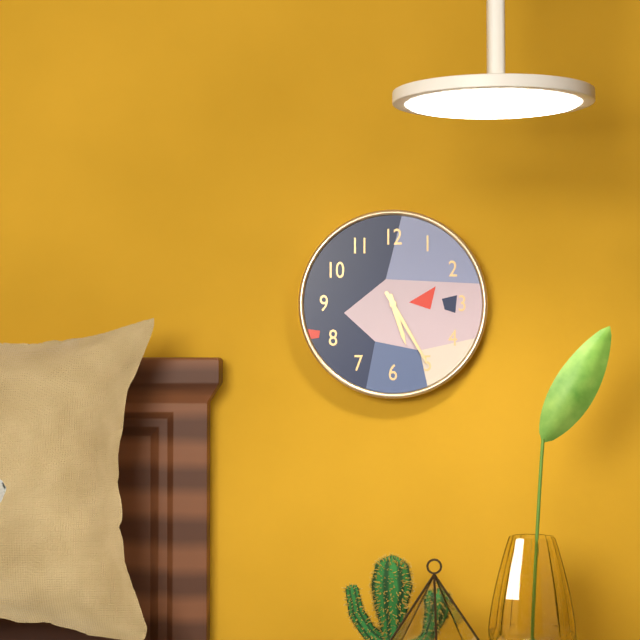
5:25
